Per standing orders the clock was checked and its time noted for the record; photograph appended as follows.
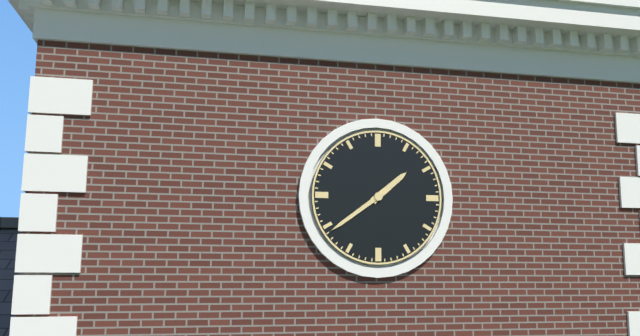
1:39
